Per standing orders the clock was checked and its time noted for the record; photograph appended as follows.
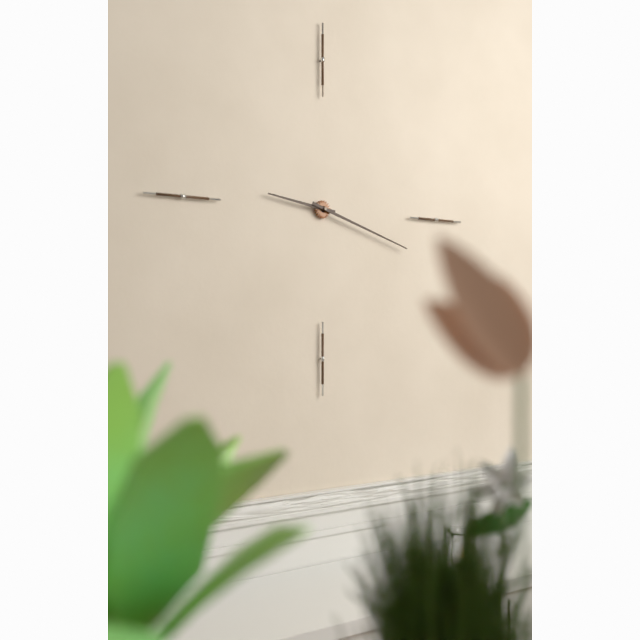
9:18
